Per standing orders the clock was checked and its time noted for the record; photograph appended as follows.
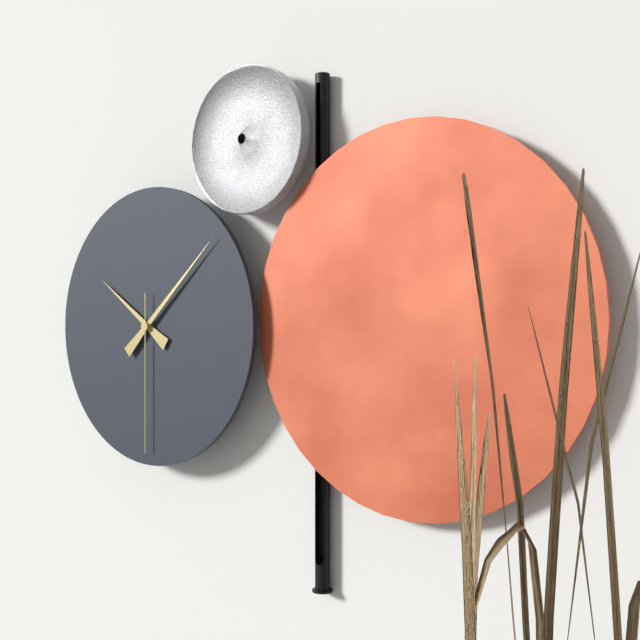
10:08:30
